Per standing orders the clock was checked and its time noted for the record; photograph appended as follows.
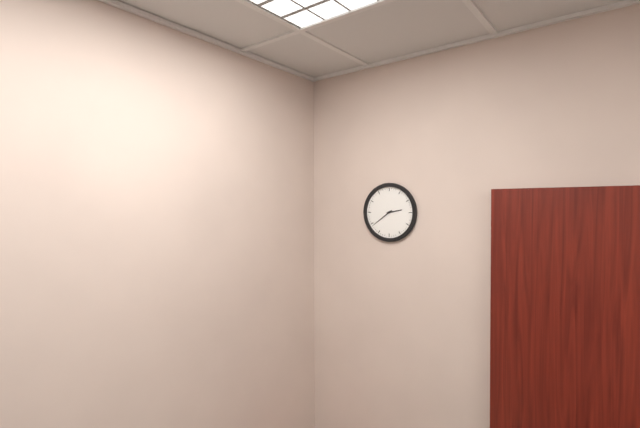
2:39
